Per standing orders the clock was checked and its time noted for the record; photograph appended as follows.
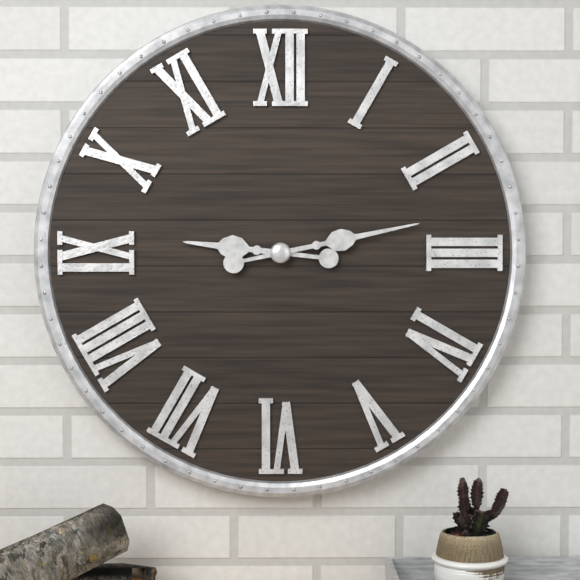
9:13
